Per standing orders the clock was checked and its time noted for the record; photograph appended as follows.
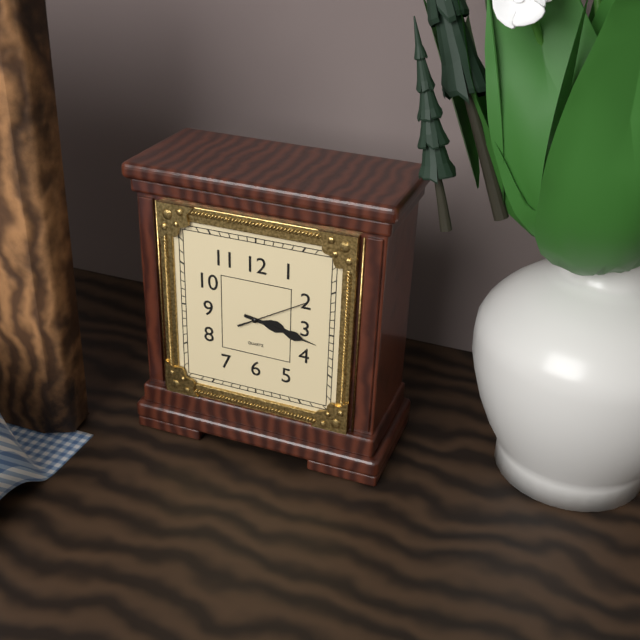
3:17:10
